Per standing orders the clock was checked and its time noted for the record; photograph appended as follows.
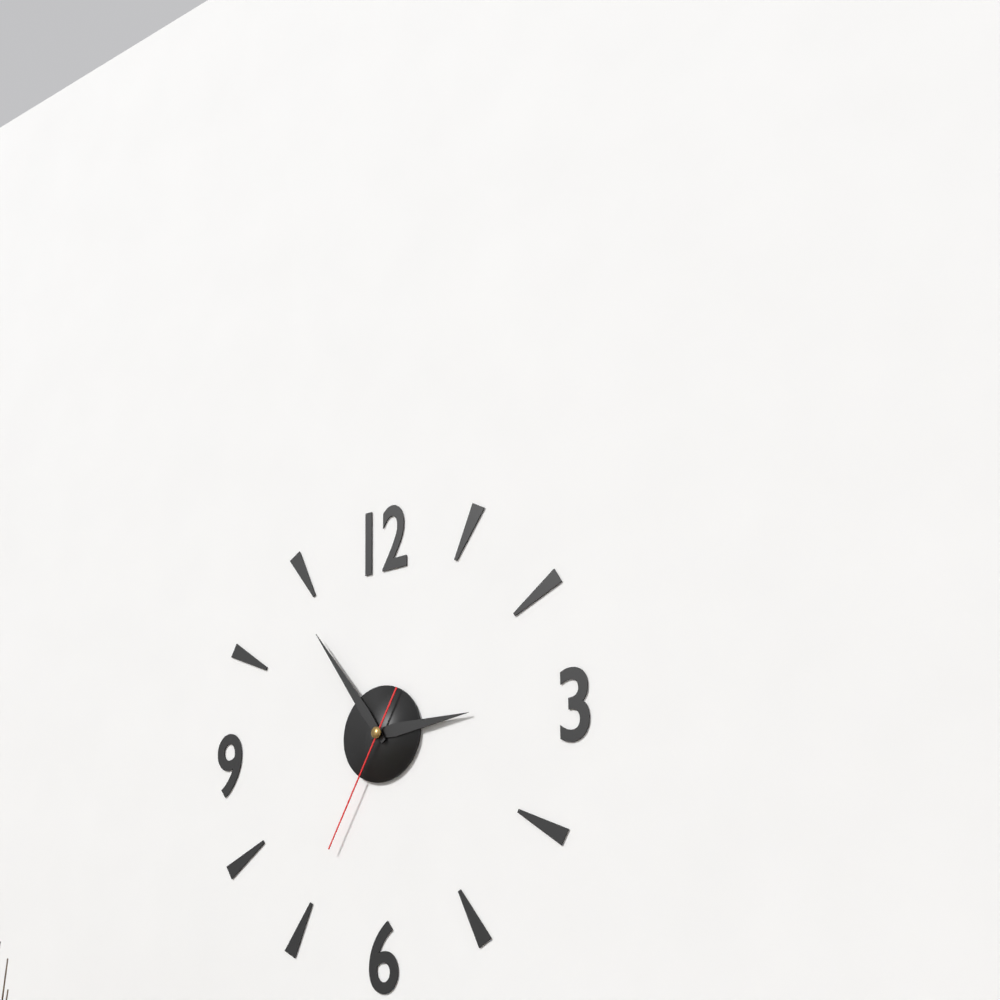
2:54:35
